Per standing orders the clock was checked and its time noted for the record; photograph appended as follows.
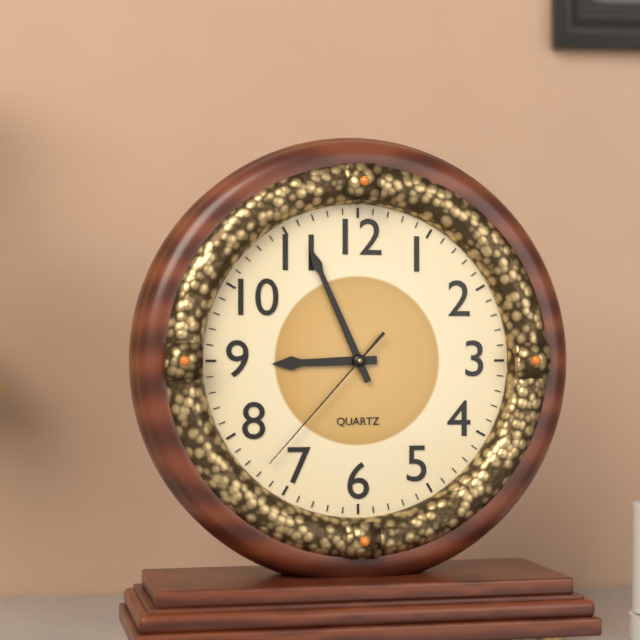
8:56:37
